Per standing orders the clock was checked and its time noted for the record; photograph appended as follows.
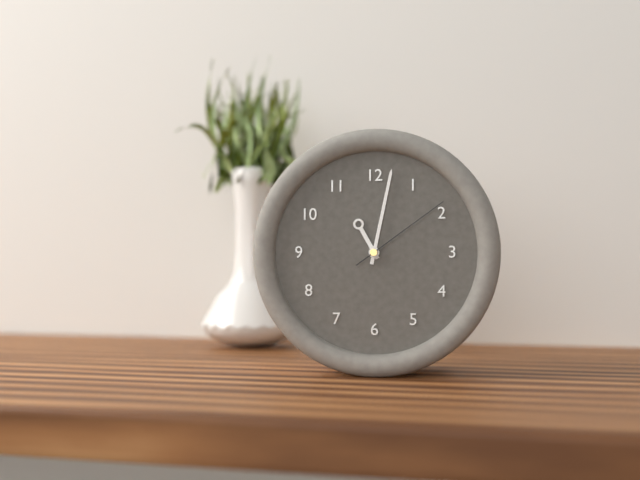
11:02:09
